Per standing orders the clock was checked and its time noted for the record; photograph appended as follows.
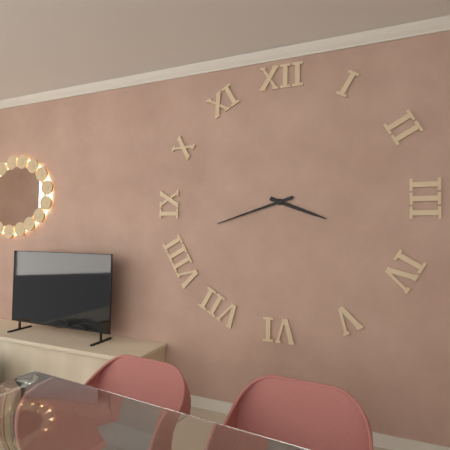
3:42
